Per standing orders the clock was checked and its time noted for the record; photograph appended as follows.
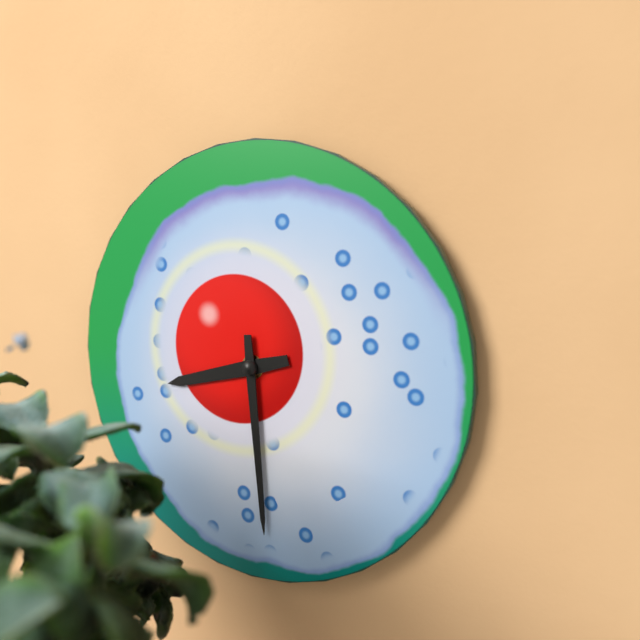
8:29
